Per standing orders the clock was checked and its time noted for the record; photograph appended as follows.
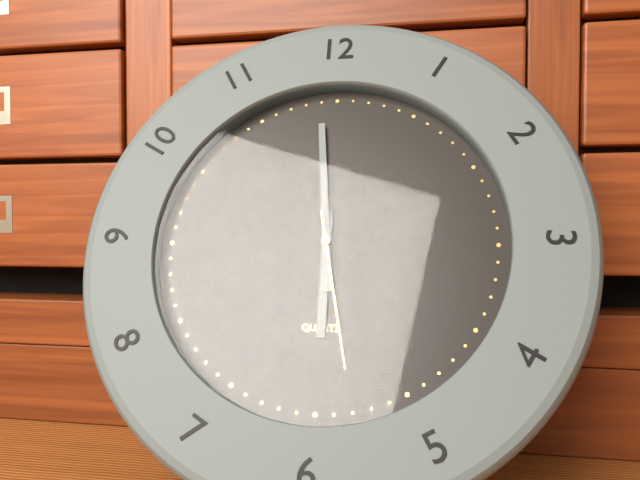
5:59:28
